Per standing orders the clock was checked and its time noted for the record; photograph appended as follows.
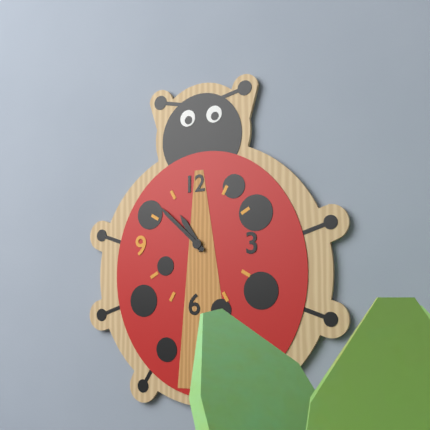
10:52
